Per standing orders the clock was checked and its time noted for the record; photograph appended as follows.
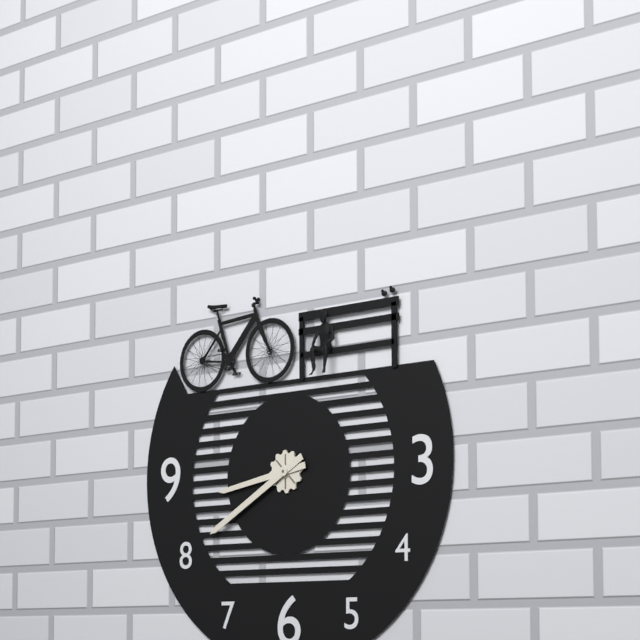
8:40
